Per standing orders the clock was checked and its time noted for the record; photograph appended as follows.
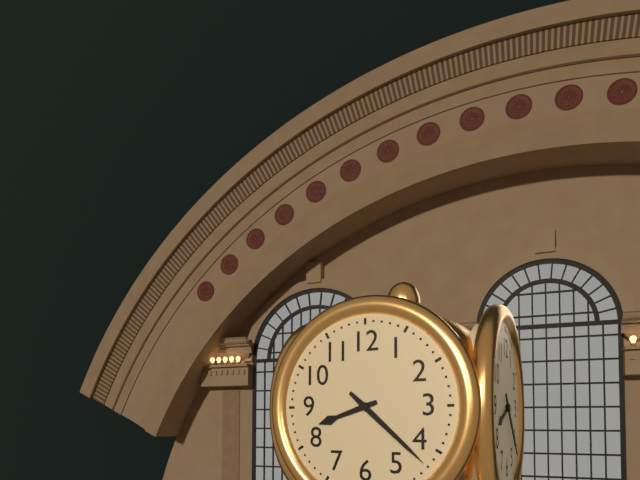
8:22
